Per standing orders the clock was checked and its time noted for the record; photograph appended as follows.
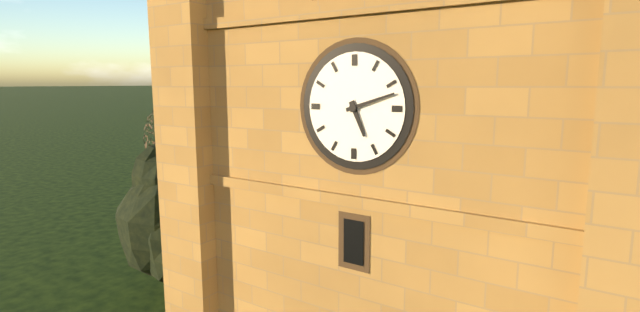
5:12
